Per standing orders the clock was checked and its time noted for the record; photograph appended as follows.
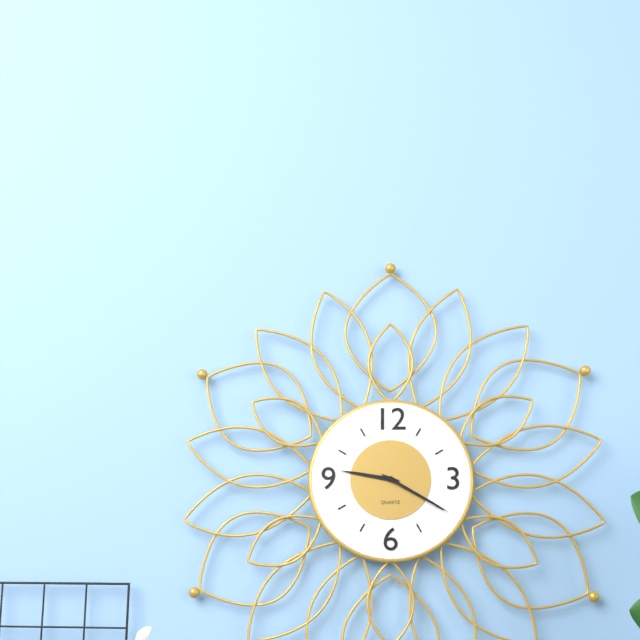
9:20
